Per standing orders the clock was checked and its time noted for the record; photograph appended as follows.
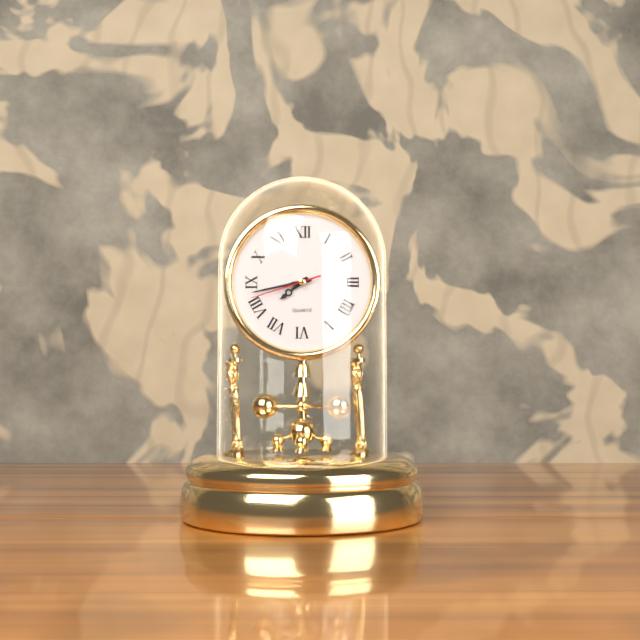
7:43:42
